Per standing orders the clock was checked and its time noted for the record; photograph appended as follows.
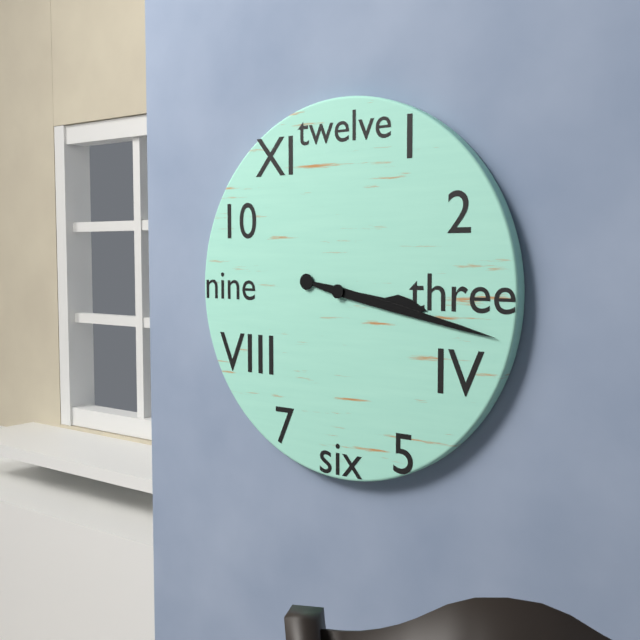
3:17
